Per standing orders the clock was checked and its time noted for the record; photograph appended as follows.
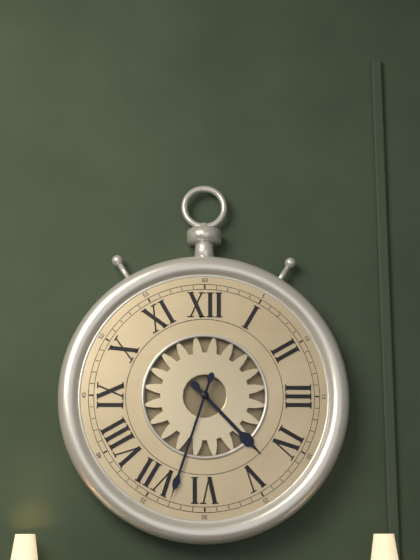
4:33
